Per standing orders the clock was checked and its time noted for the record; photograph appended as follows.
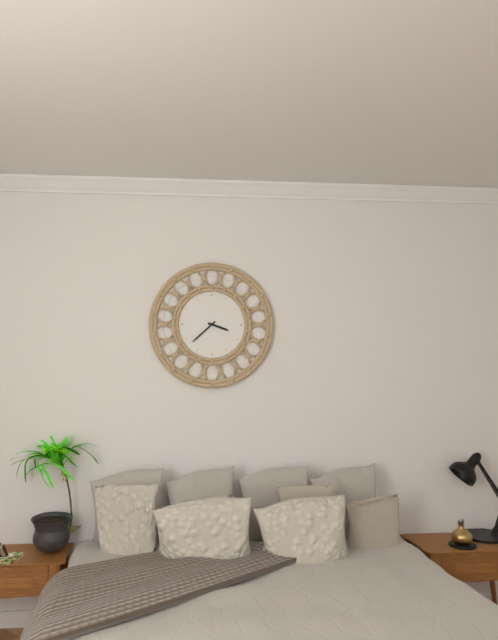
3:38
